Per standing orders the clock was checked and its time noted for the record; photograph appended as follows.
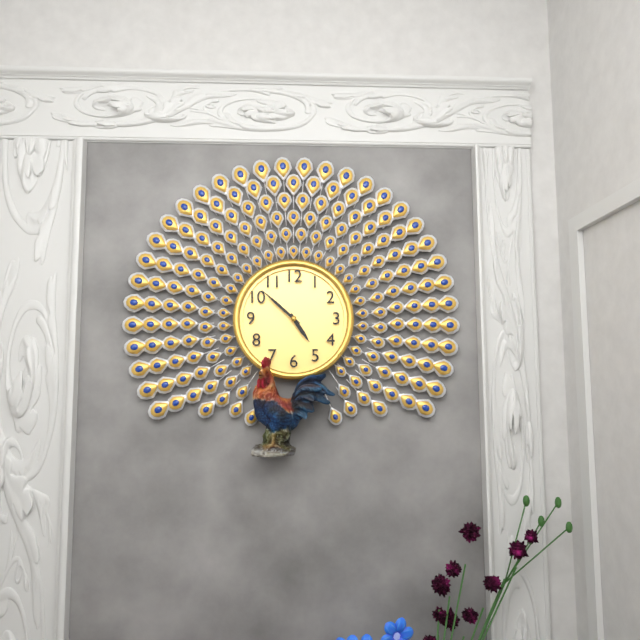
4:52
